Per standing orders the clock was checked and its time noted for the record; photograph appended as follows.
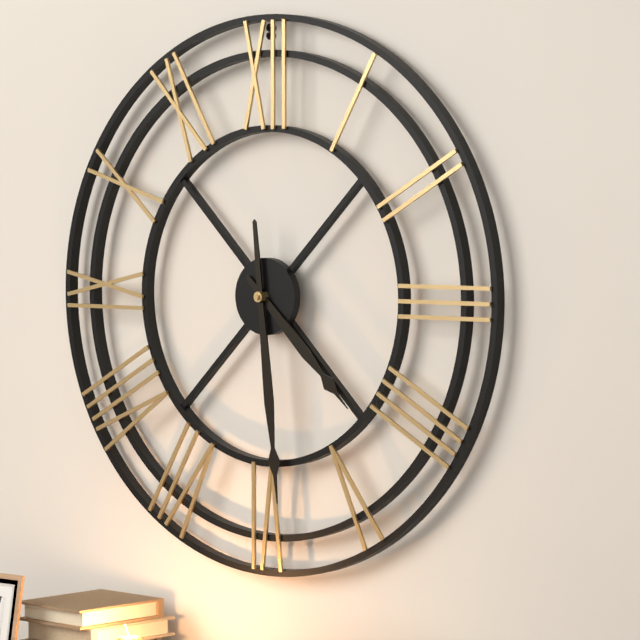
4:29
